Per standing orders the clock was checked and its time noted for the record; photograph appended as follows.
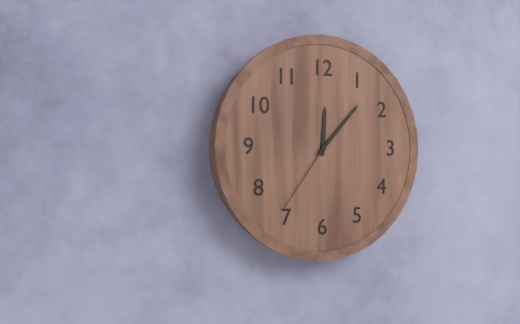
12:07:36
